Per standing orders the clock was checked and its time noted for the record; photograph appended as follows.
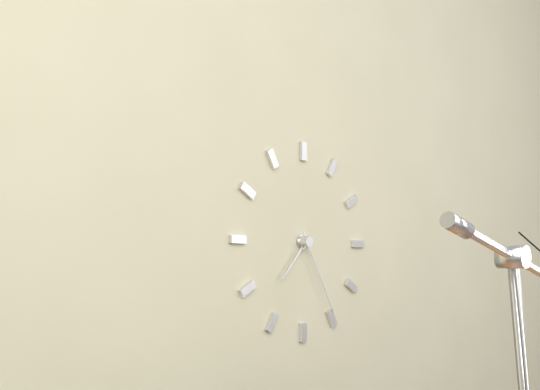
7:25
